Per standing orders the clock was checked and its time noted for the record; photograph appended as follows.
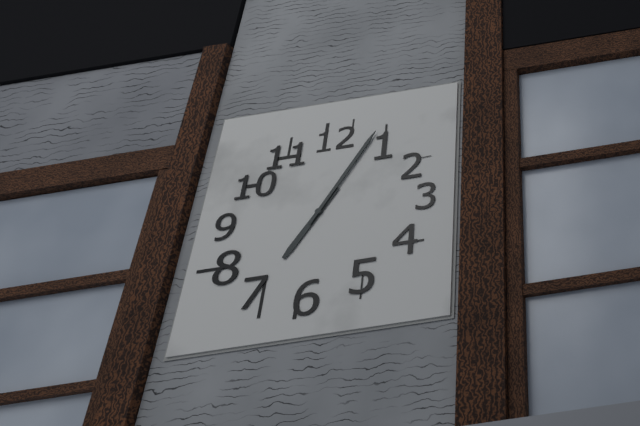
7:05
